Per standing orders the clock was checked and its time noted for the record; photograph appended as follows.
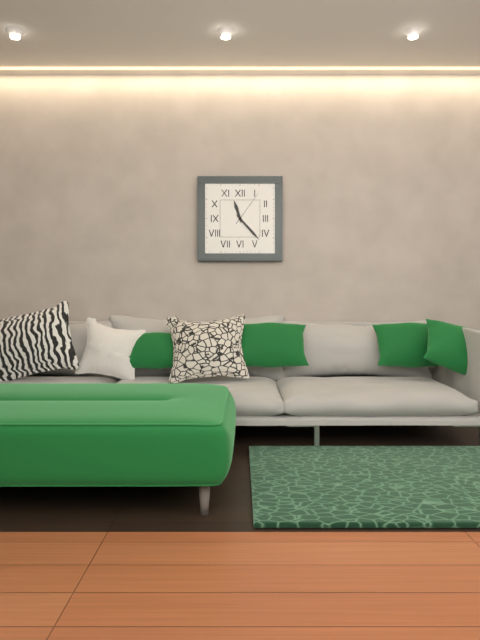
11:23
